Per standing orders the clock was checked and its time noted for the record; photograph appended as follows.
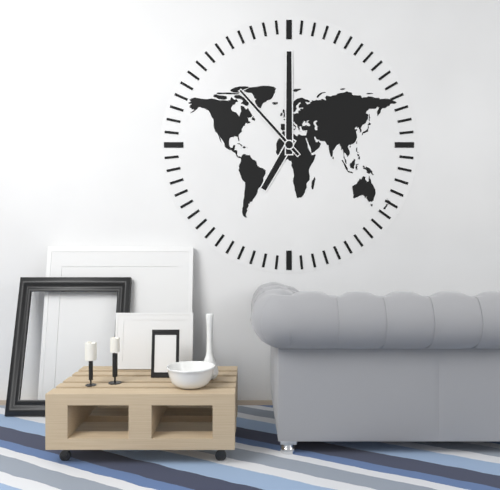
7:00:53
